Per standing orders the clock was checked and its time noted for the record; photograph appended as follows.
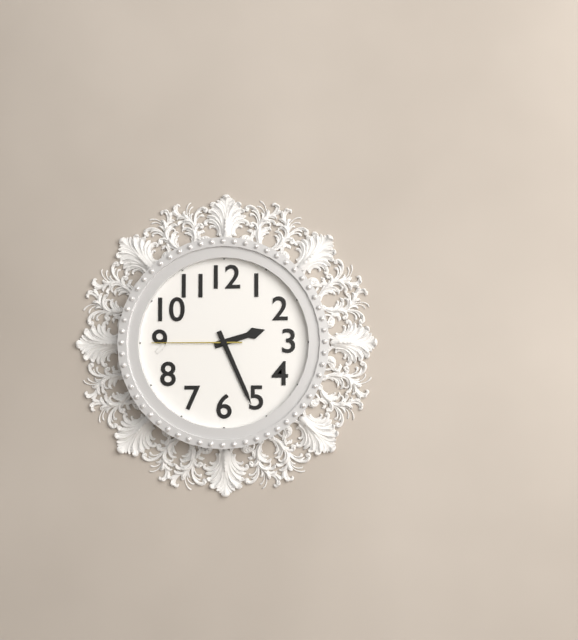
2:26:45
